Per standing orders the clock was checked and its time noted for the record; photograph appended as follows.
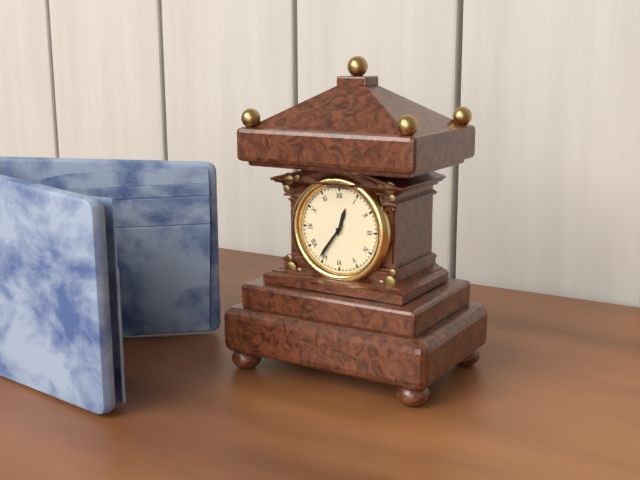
12:36
